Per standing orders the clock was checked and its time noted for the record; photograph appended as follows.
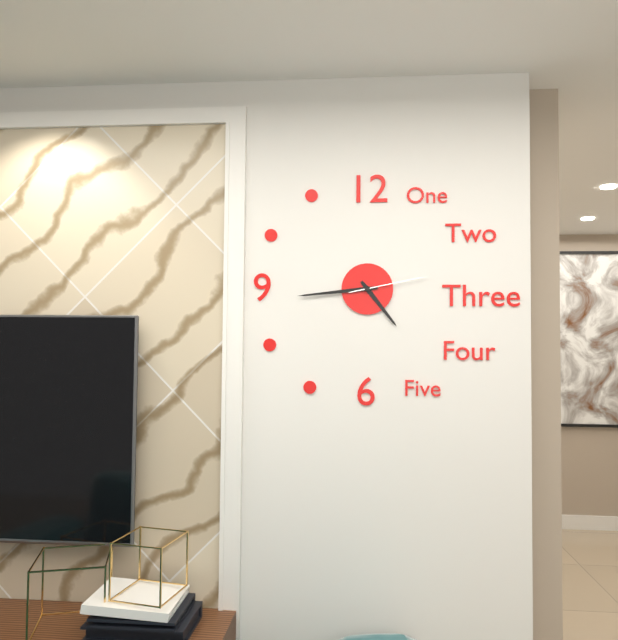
4:44:13
